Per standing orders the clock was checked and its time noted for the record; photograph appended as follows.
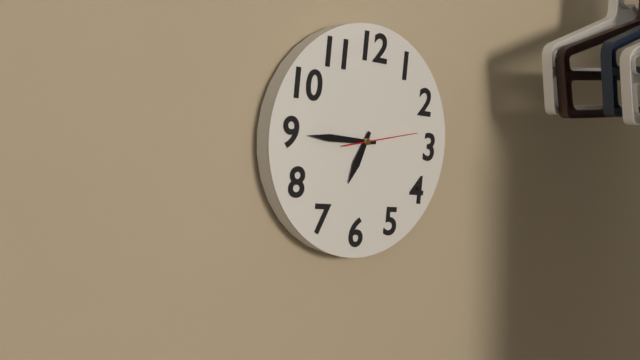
6:45:13
